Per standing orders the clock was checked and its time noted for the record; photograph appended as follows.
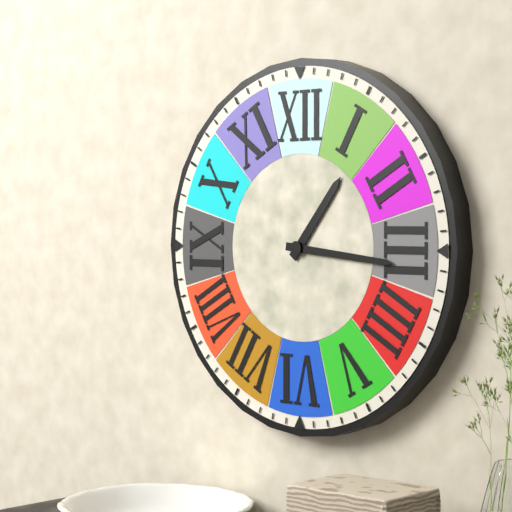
1:16
